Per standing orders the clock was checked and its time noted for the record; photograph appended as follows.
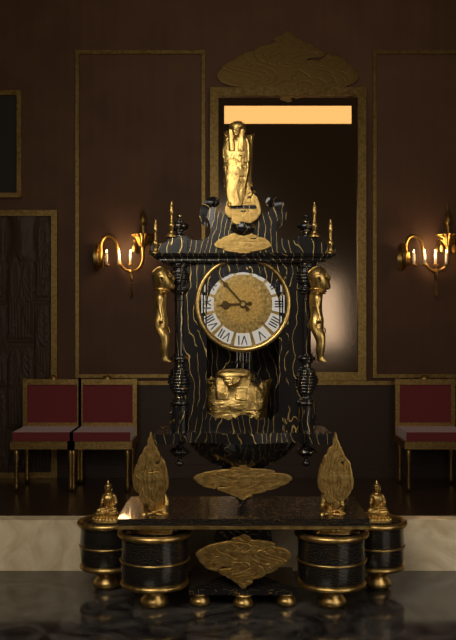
8:53
